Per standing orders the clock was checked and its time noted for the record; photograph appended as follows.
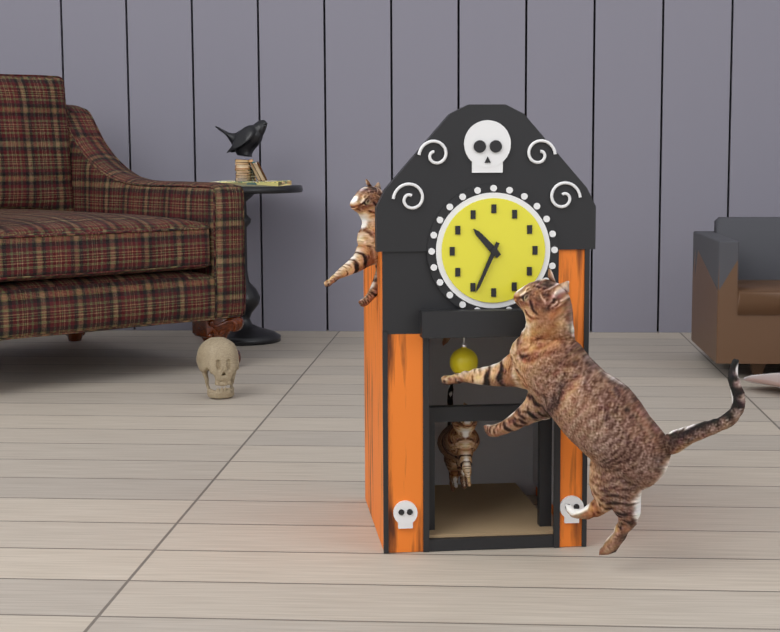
10:34
